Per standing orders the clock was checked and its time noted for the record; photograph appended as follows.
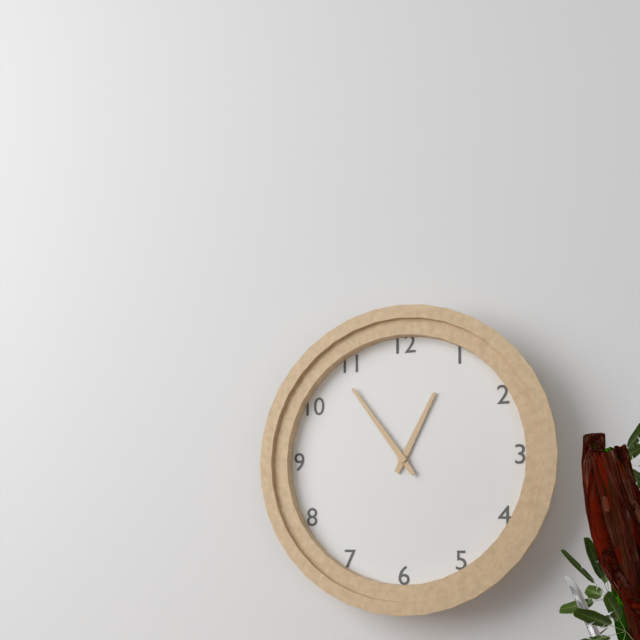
12:54
